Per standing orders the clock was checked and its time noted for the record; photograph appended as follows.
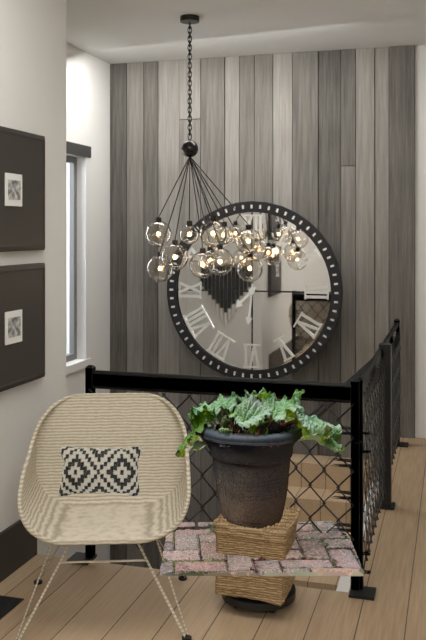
7:31
